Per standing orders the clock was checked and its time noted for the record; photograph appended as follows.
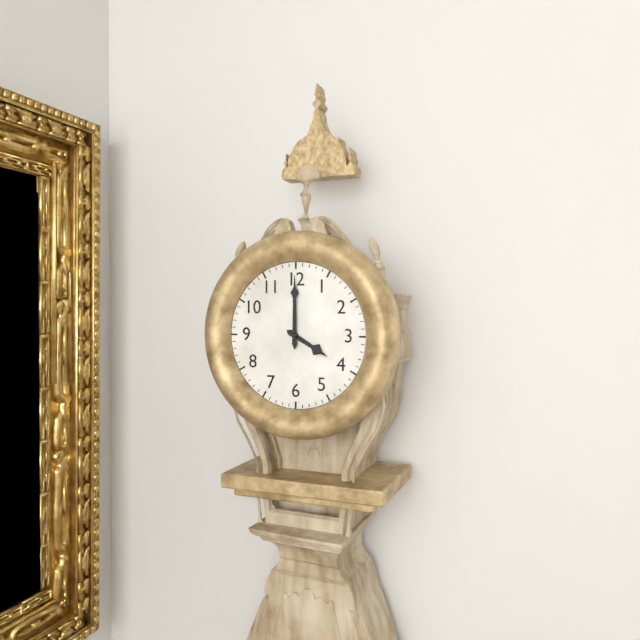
4:00
